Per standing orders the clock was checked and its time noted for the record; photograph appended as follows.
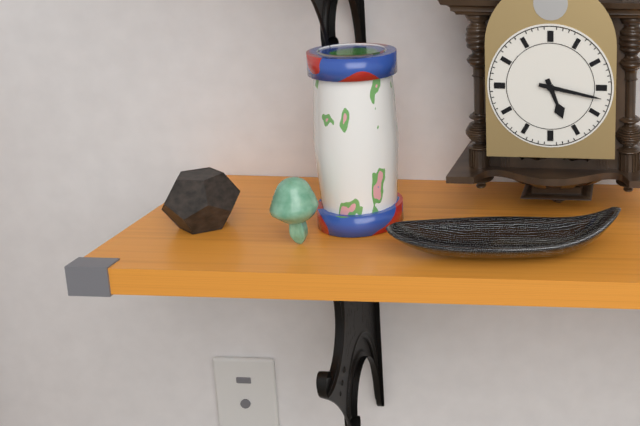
5:17
